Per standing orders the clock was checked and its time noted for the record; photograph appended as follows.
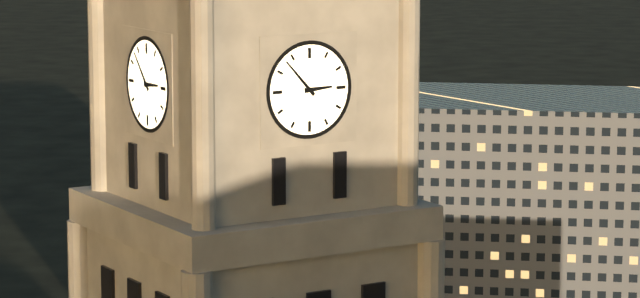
2:53
